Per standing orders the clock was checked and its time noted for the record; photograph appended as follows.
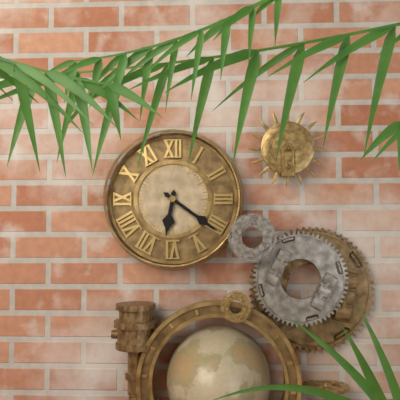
6:21
